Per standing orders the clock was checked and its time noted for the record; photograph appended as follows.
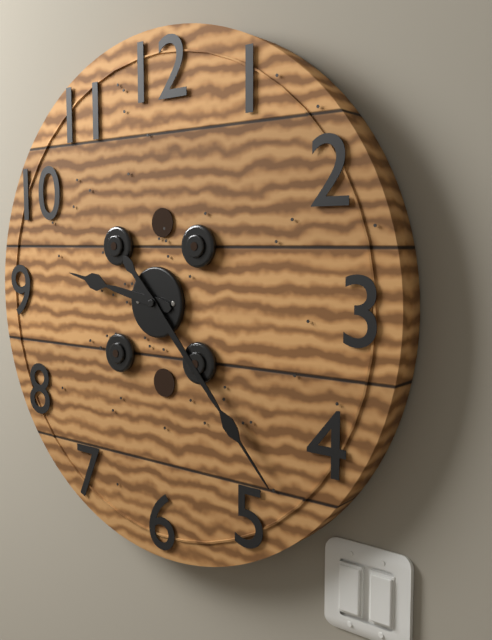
9:23
